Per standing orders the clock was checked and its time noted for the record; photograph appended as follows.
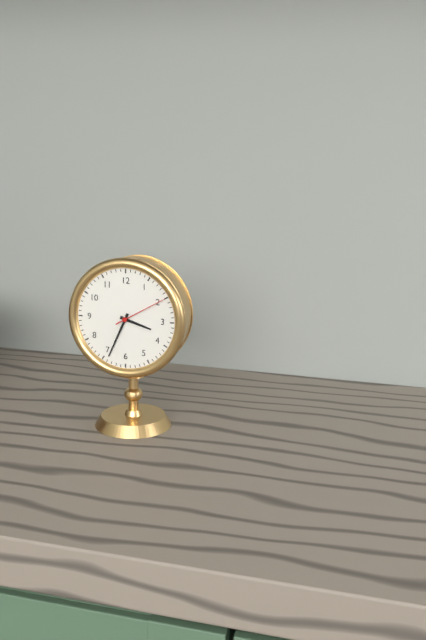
3:34:10
